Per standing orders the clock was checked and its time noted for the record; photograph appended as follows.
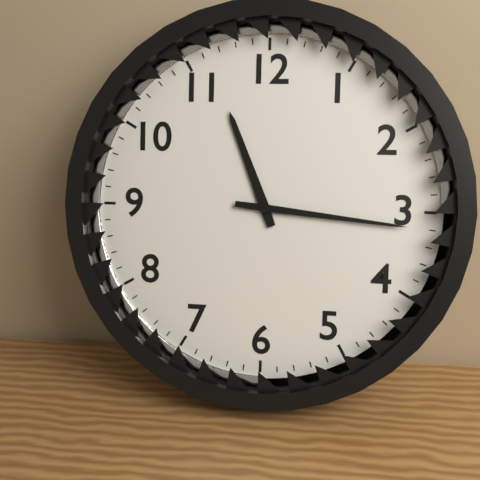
11:16
